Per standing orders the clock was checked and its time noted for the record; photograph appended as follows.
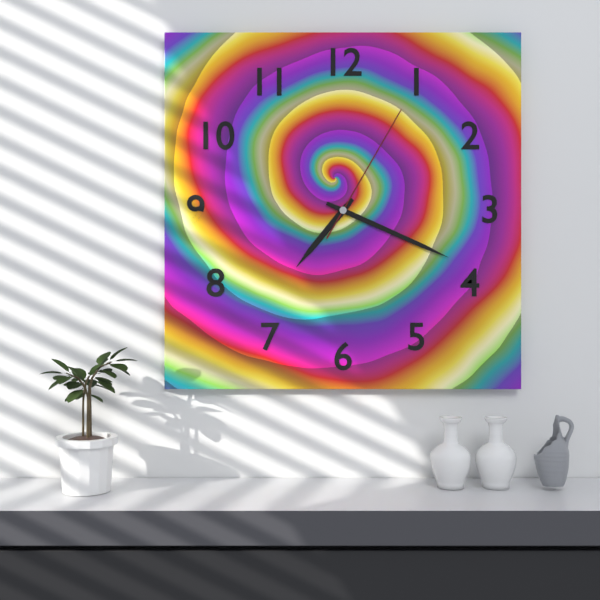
7:19:05
